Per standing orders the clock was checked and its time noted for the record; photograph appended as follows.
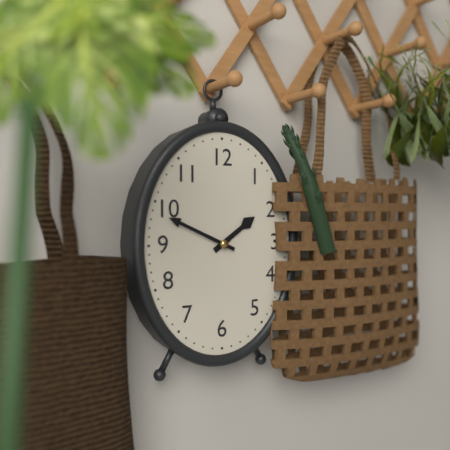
1:49
